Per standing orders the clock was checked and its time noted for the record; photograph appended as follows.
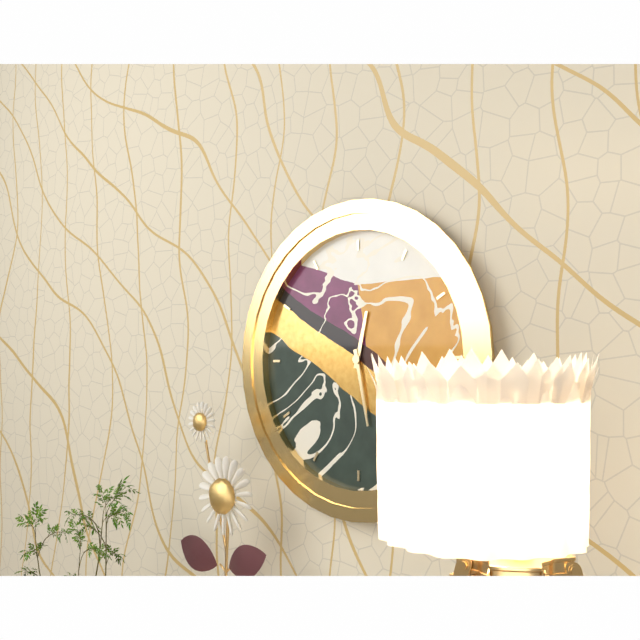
12:28
